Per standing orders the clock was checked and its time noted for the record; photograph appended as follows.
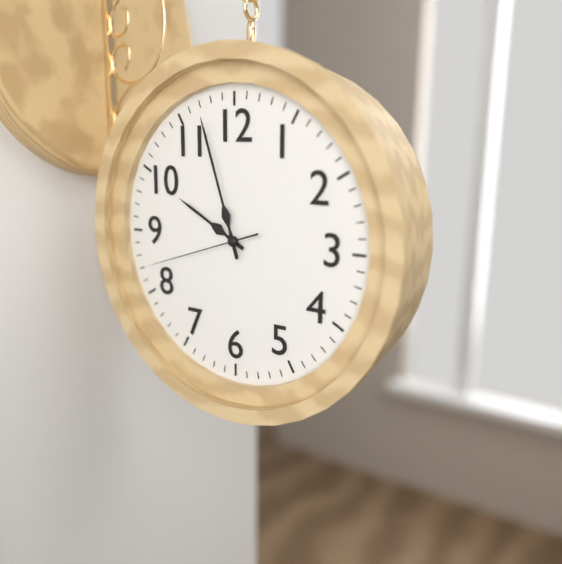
9:57:42
